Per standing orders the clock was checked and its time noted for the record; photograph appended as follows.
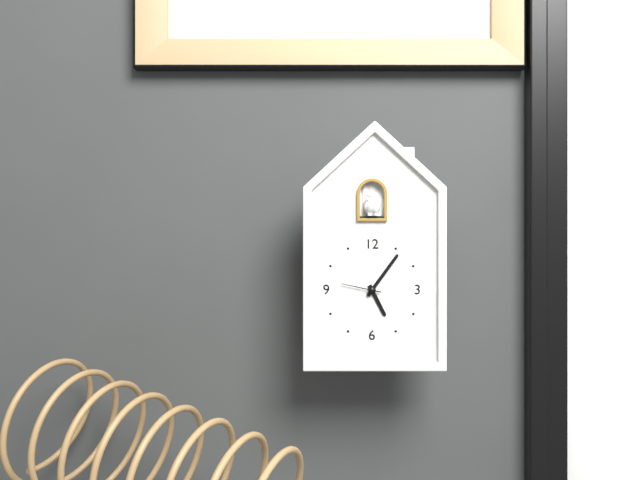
5:06
